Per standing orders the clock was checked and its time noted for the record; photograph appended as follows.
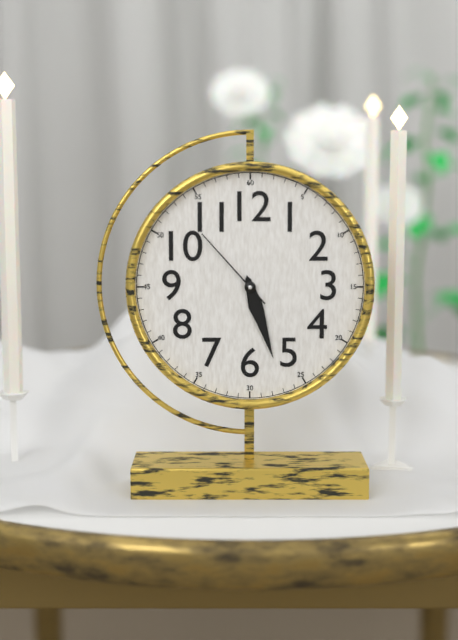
5:27:53
